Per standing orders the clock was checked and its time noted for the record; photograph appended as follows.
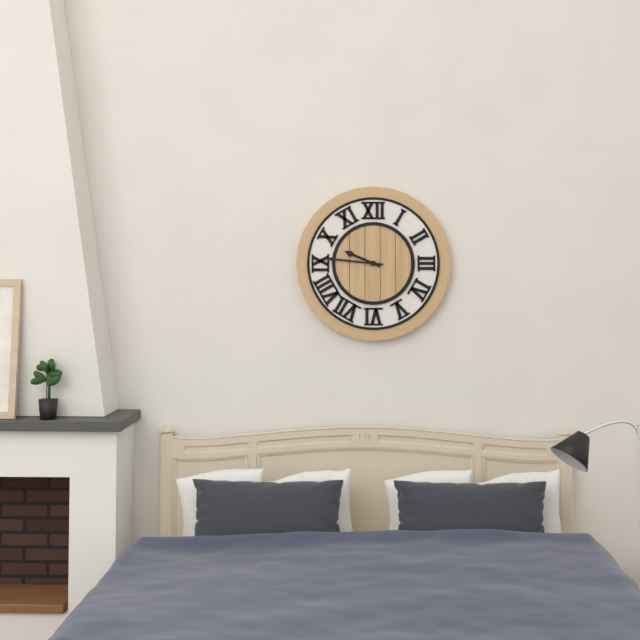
9:46
